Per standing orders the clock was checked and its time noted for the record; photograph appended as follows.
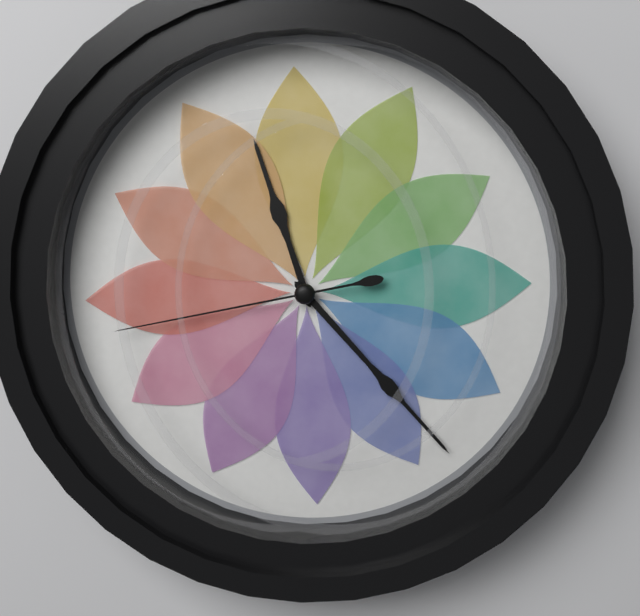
11:23:43
